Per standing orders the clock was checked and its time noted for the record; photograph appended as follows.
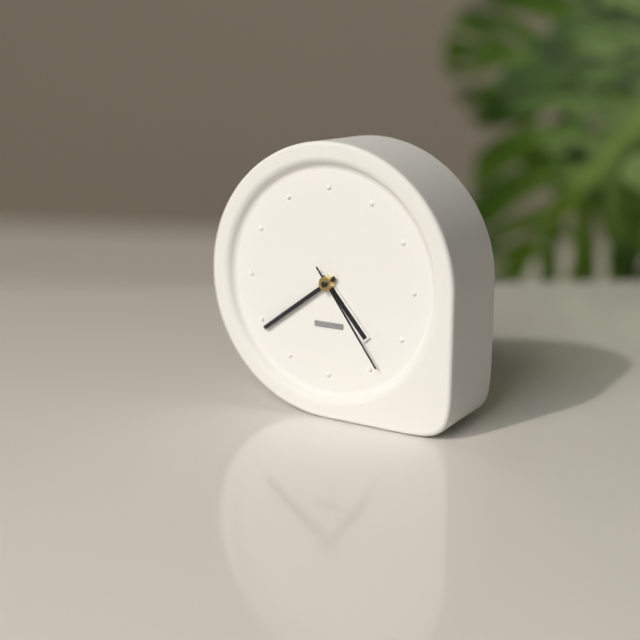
4:39:24
